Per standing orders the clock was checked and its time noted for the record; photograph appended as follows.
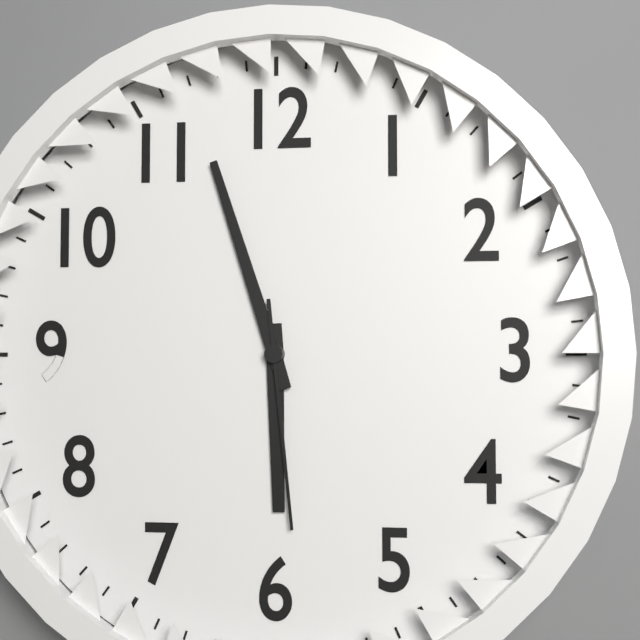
5:57:29
